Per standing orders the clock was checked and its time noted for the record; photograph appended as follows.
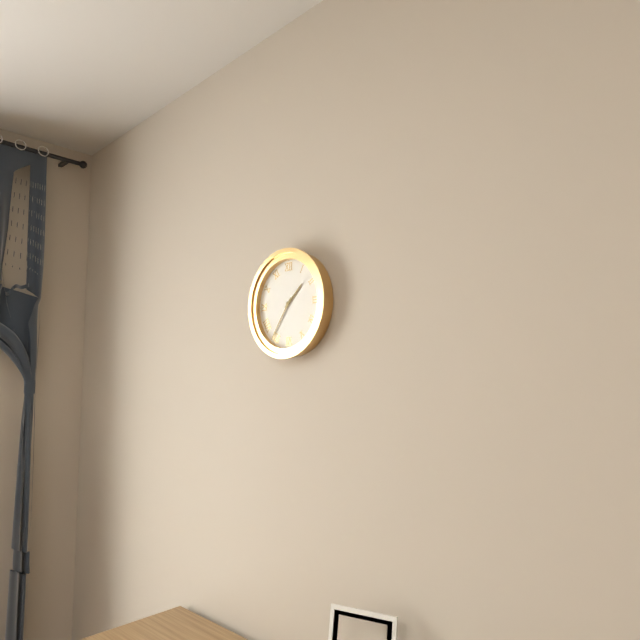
1:36
